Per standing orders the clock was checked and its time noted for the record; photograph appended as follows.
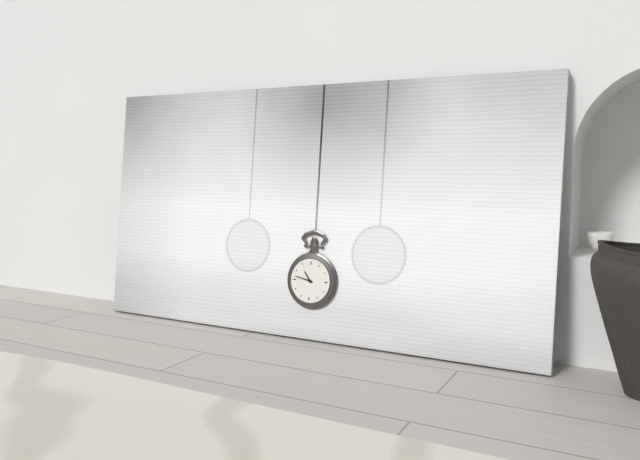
10:47
